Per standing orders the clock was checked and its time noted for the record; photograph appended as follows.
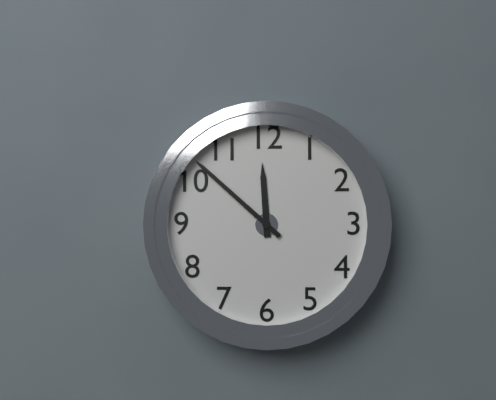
11:52
